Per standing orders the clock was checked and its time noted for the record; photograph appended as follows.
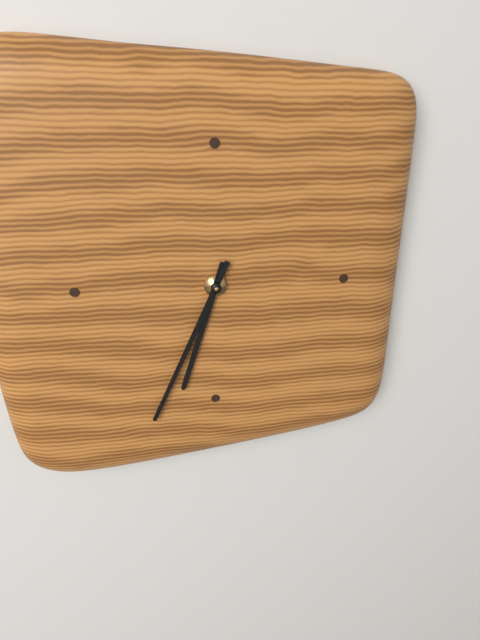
6:34
